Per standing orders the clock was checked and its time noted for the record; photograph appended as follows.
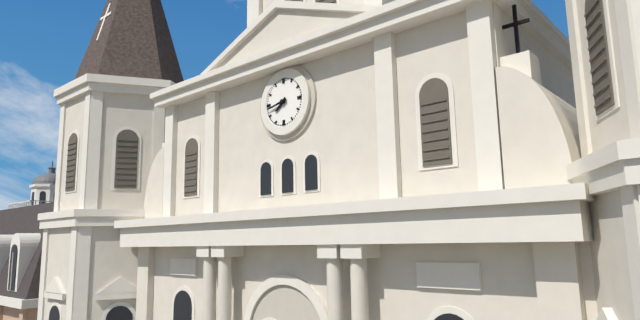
7:43
